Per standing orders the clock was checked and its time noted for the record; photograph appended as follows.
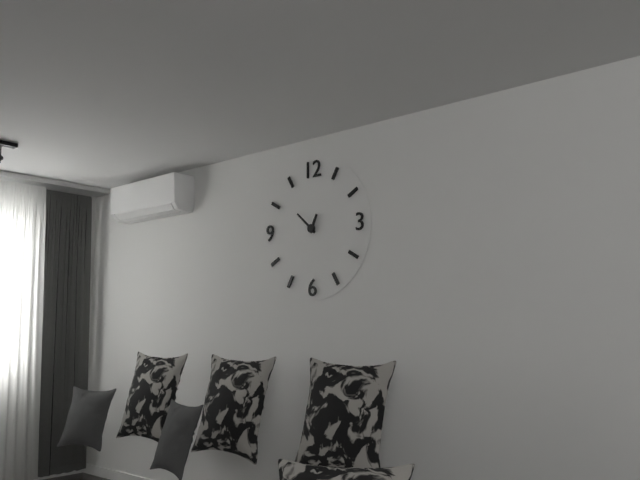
12:52
